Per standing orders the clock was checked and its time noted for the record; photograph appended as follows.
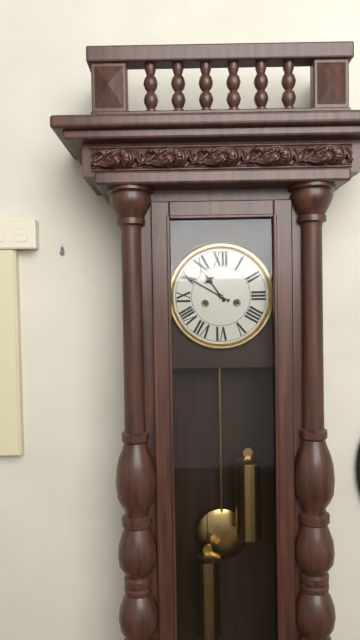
10:50
